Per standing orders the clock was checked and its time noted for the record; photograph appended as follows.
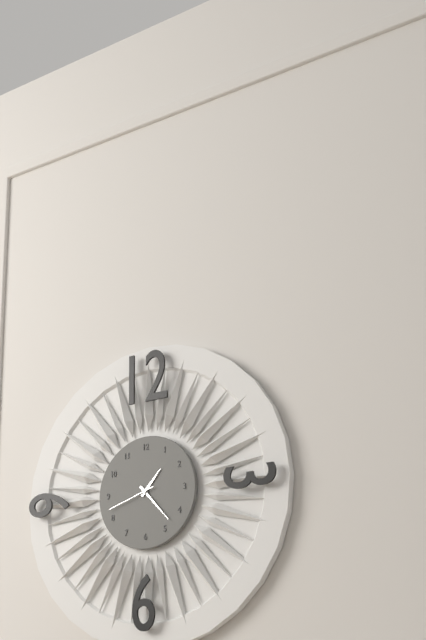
1:23:42
